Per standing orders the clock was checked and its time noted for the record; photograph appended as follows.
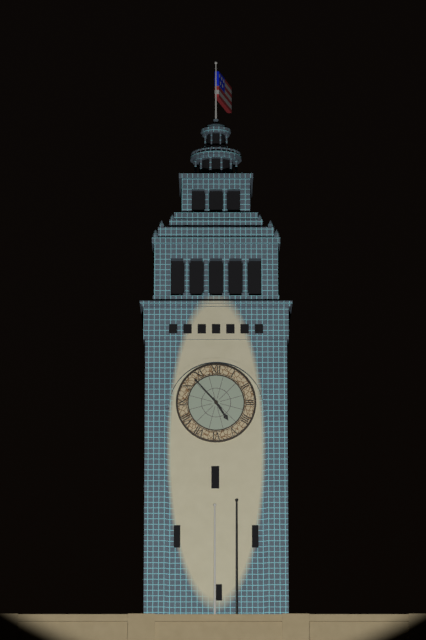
4:53
